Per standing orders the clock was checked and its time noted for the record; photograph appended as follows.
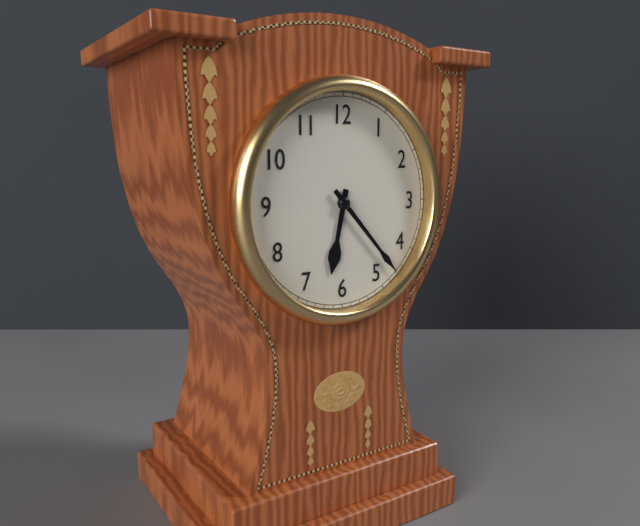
6:23
